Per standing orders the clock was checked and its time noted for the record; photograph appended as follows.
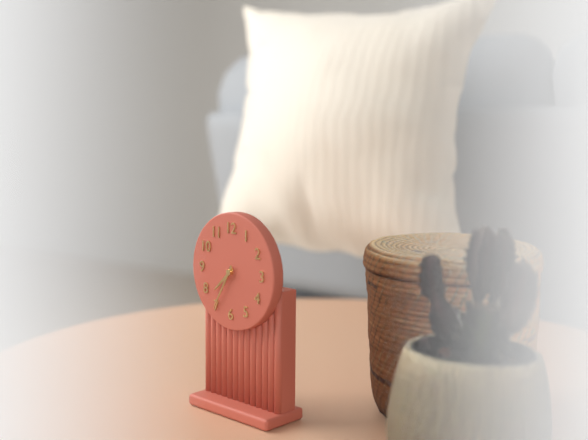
7:35
